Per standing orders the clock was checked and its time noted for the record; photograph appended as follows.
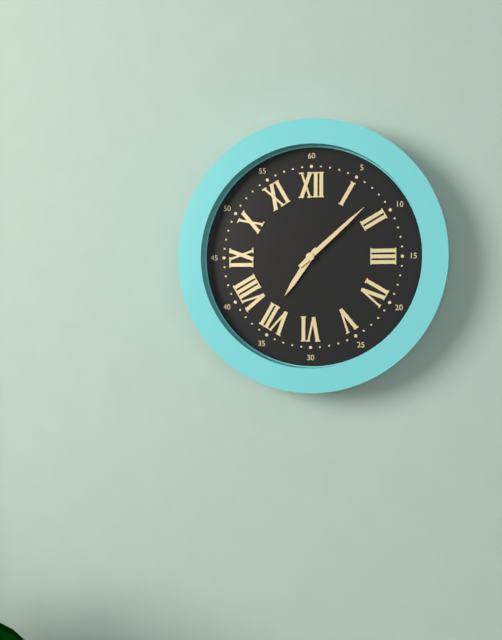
7:08
